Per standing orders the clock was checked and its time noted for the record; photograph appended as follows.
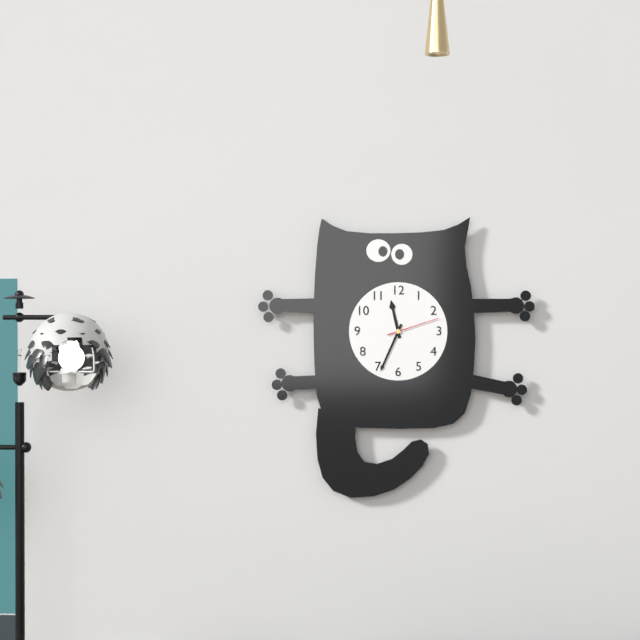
11:34:12
